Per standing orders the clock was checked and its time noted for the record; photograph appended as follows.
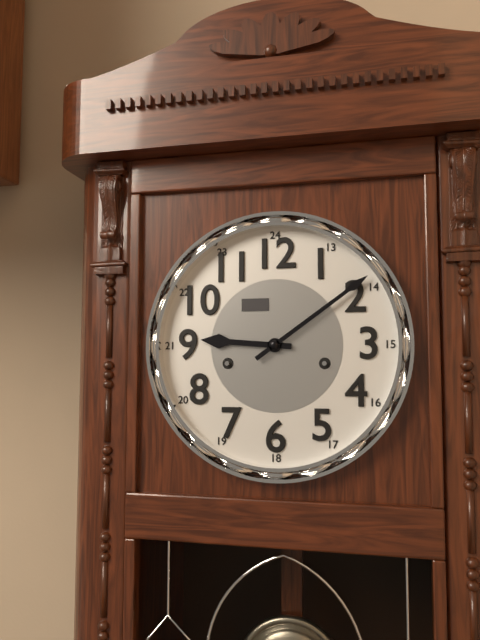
9:09
